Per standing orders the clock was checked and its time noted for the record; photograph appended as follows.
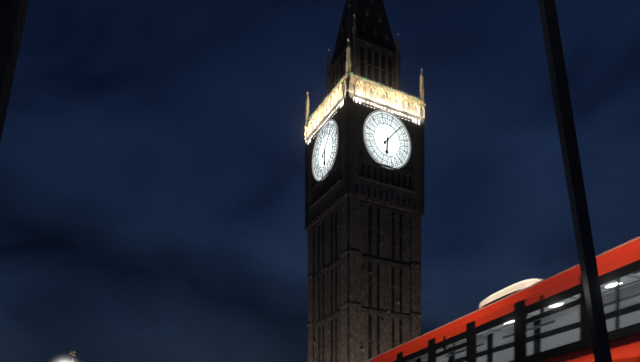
6:07
